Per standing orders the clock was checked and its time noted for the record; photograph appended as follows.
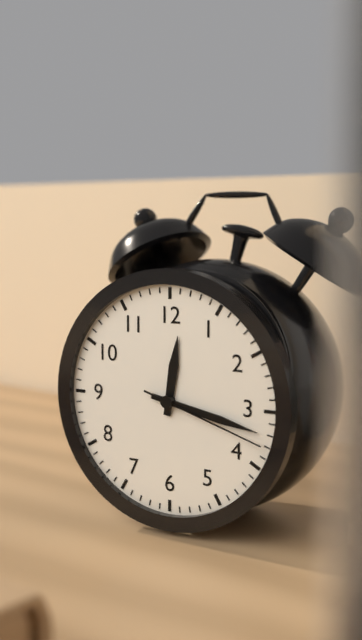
12:17:18
